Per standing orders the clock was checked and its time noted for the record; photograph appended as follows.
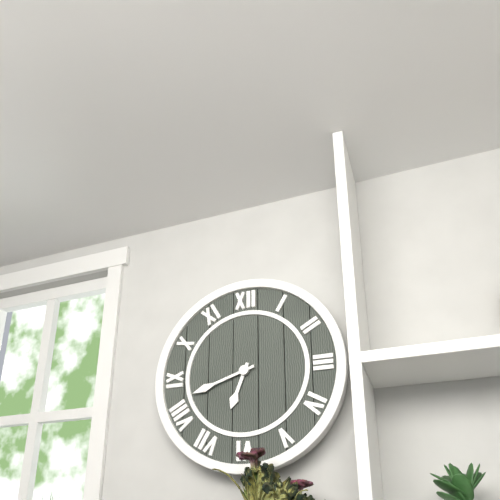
6:42
